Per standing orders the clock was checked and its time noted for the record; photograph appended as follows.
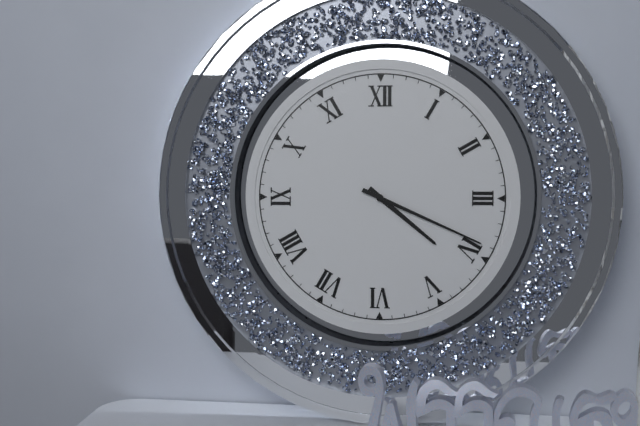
4:19
